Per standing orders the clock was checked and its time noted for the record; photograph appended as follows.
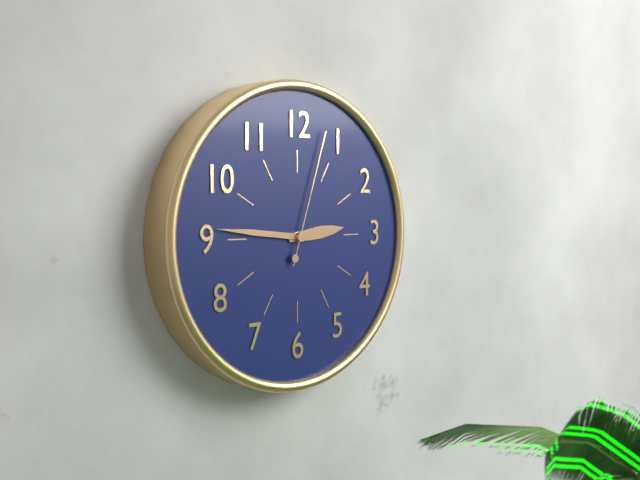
2:46:03
